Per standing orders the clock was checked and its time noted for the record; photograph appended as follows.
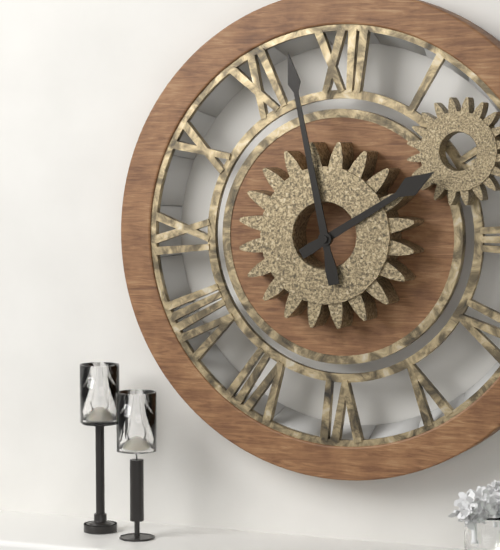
1:58
